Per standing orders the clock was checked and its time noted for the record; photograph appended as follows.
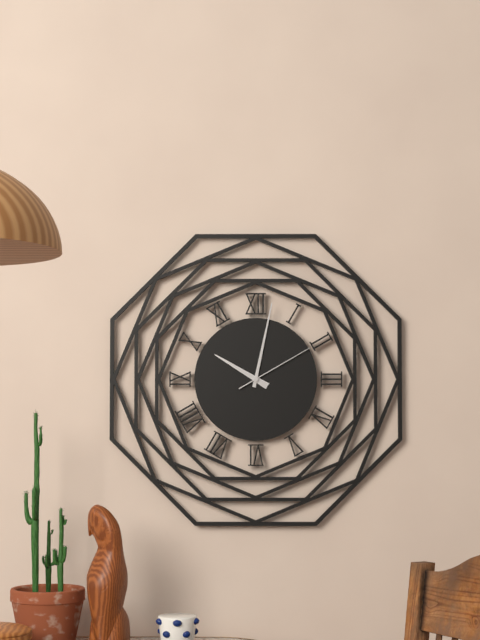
10:02:10
